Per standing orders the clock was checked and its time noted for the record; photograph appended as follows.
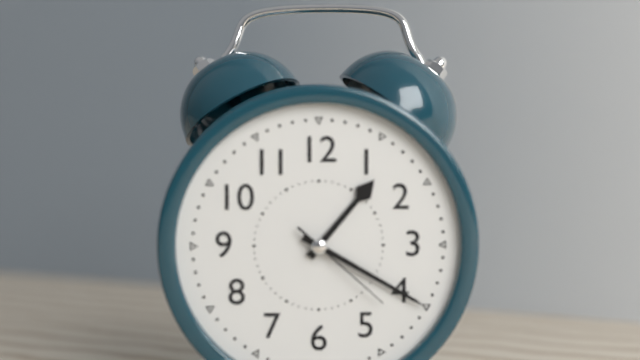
1:20:22
